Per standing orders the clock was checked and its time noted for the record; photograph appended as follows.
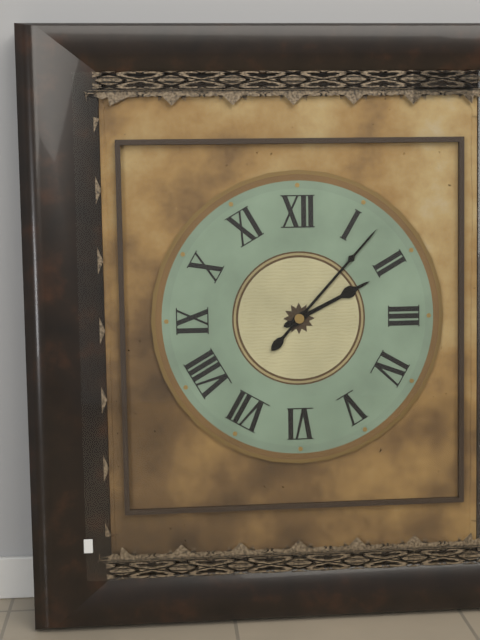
2:07
